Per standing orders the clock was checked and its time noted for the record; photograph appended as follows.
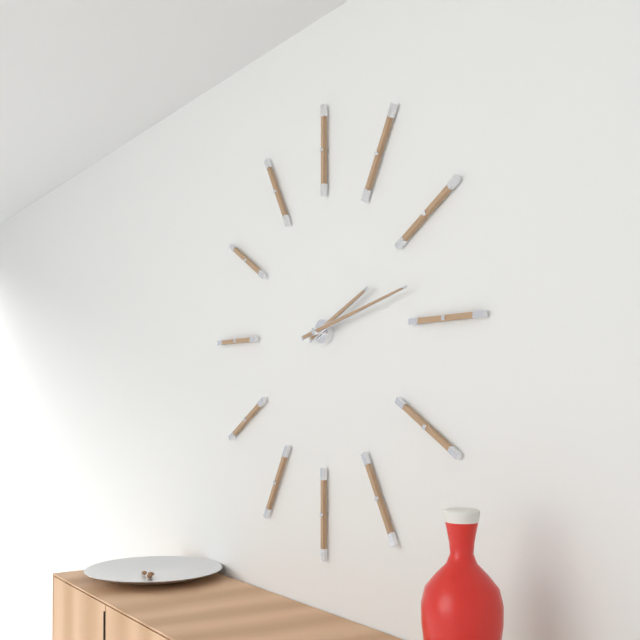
2:13
